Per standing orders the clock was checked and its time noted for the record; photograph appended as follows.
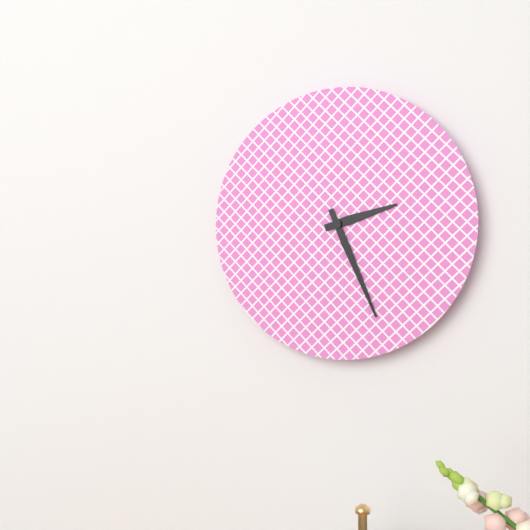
2:26
